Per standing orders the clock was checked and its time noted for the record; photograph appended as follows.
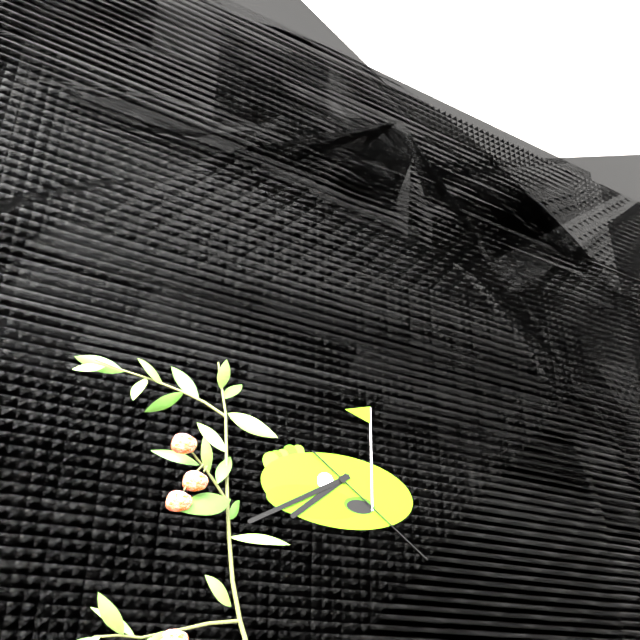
7:40:21
